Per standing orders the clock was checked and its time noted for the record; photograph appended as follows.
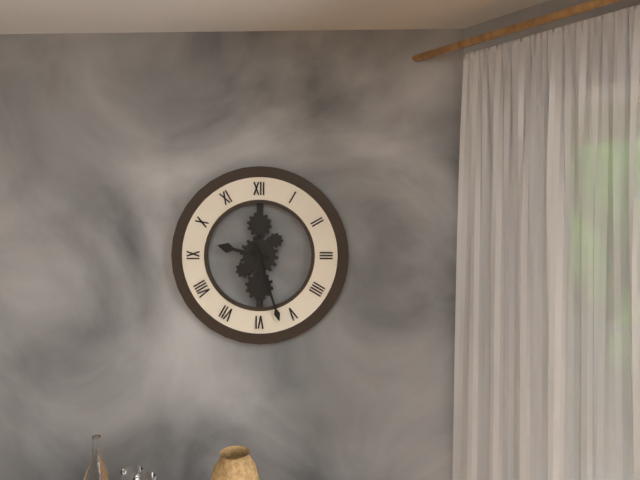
9:27
